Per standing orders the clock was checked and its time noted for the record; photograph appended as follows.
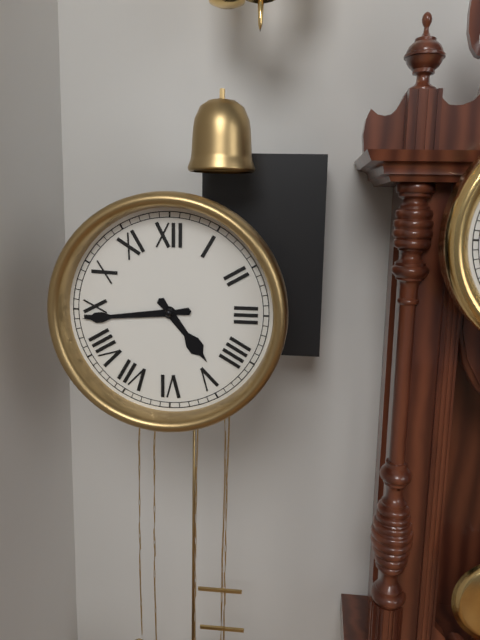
4:44
